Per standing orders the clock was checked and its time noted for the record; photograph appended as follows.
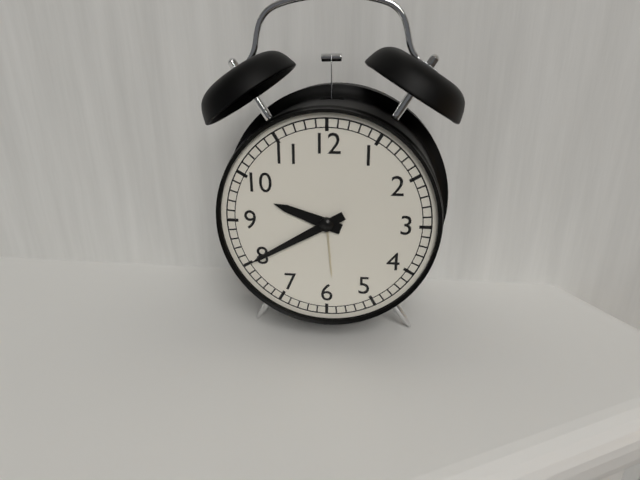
9:40
